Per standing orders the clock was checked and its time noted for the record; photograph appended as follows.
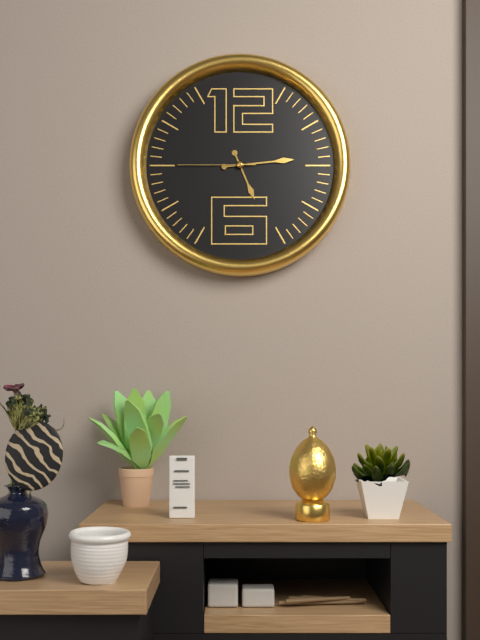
5:14:45
